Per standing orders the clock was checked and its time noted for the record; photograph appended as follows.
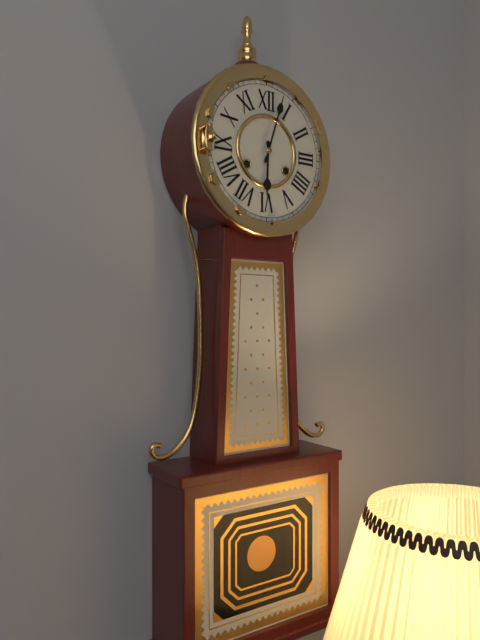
6:03
